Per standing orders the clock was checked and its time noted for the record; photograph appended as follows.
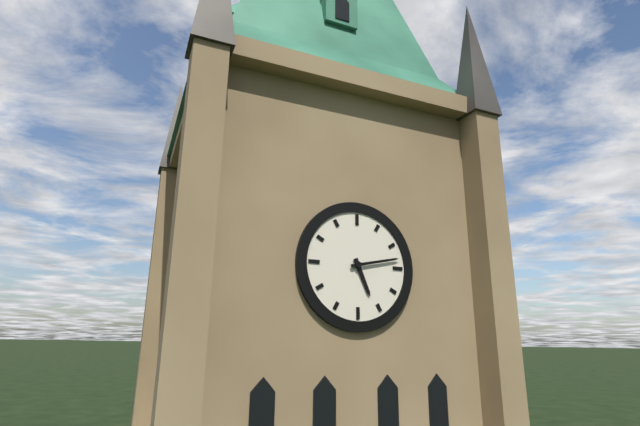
5:13
